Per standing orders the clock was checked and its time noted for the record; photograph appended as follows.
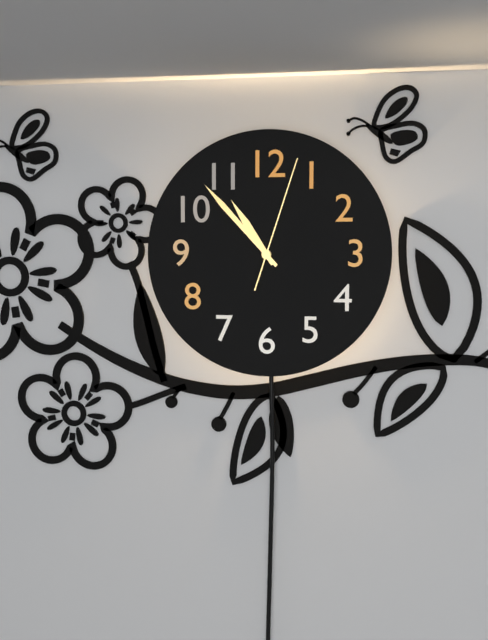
10:53:03
